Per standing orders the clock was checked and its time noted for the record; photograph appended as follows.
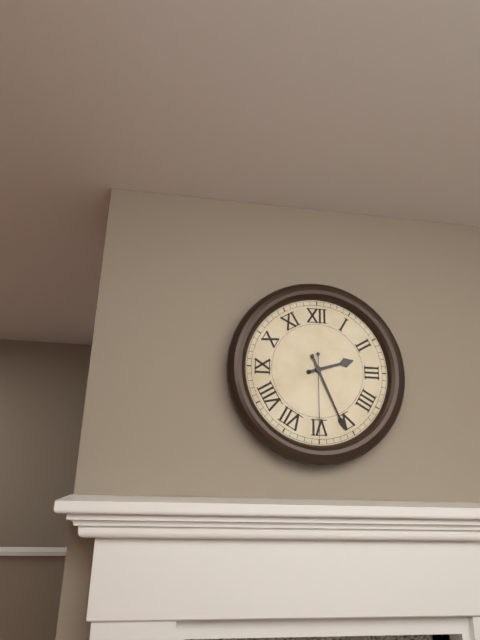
2:26:30
